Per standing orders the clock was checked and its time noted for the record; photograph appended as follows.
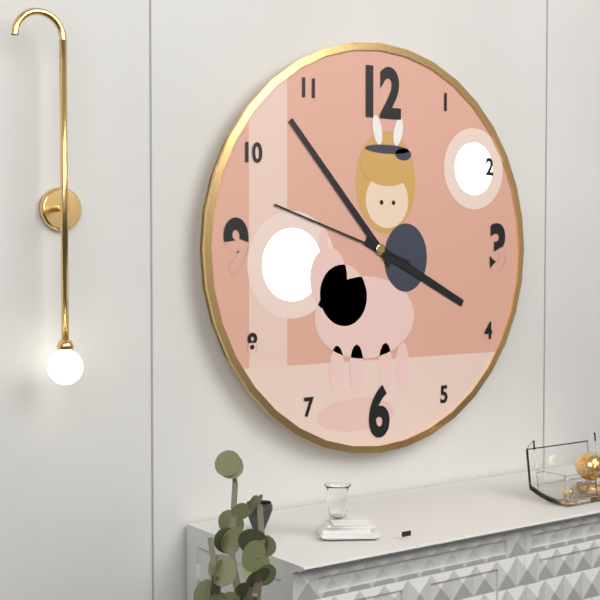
3:53:48
